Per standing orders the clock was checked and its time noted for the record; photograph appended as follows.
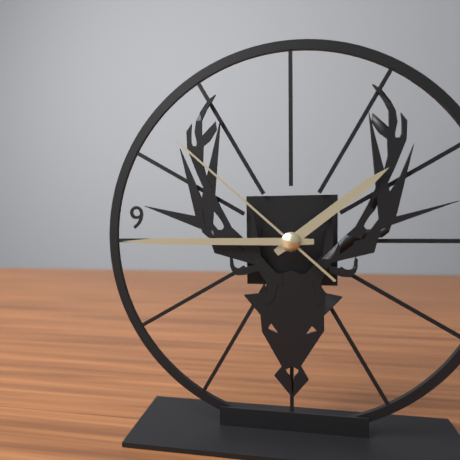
1:45:52
